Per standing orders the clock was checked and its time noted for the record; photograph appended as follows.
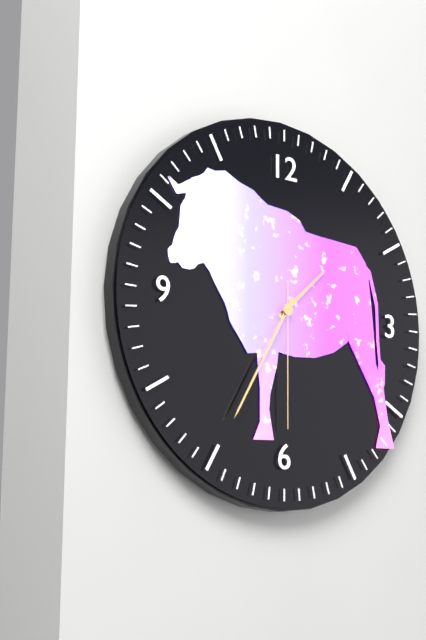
1:35:30
